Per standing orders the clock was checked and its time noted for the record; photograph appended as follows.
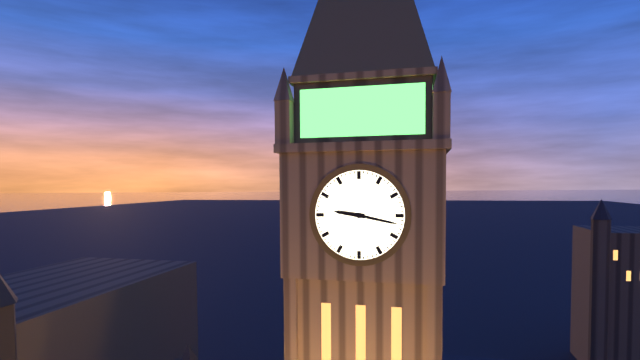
9:17
